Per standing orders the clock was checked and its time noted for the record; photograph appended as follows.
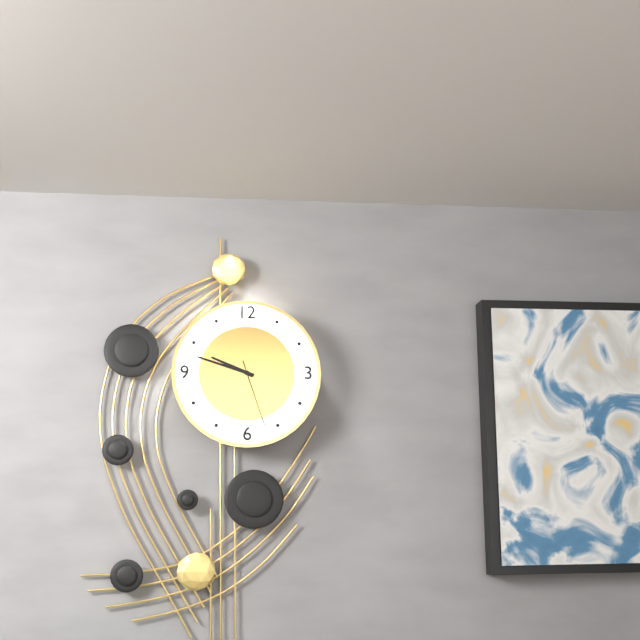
9:48:27
